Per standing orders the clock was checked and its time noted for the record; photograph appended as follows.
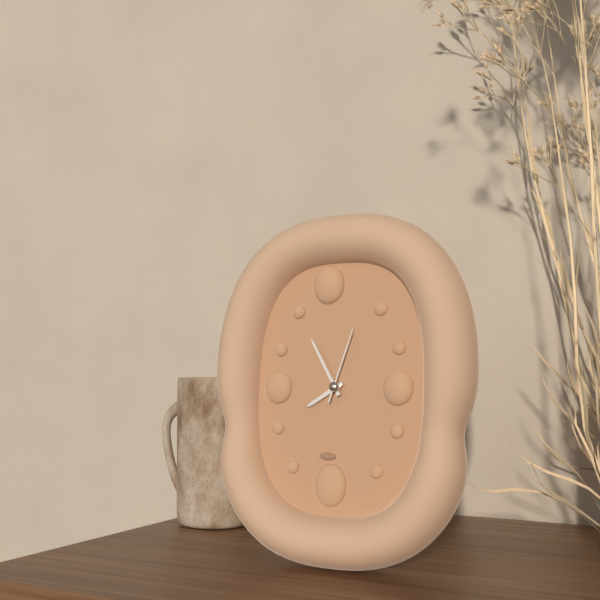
7:55:03
